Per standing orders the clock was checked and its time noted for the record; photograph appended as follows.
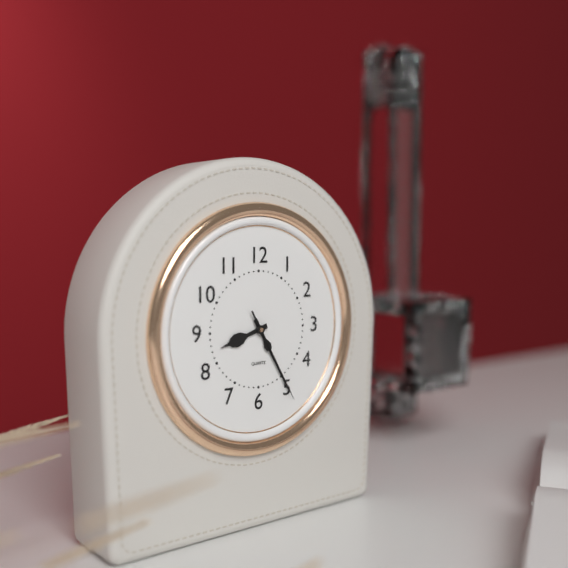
8:25:25
